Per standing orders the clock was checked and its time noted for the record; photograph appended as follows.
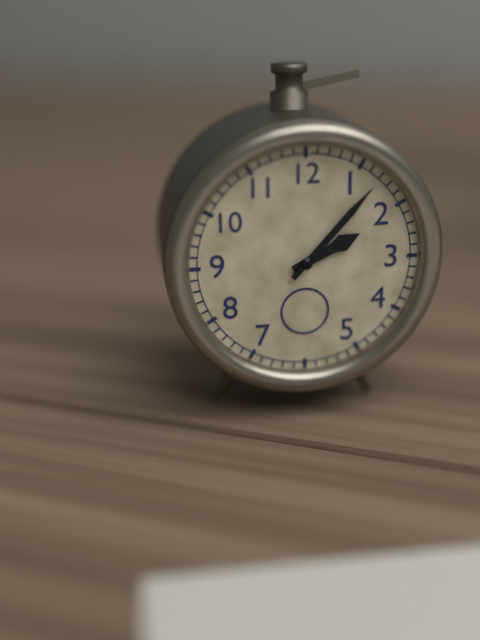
2:07
